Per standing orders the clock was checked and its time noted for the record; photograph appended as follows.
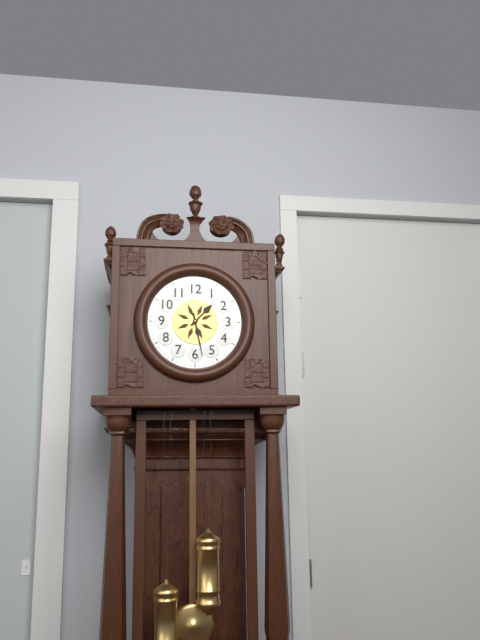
1:28
